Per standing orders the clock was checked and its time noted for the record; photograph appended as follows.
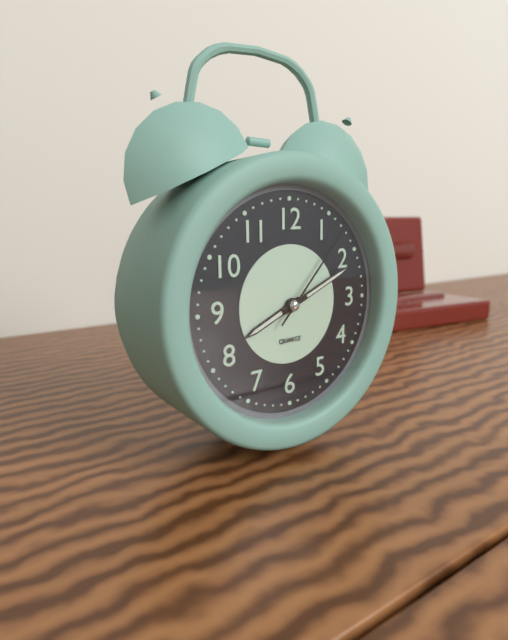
8:11:07
